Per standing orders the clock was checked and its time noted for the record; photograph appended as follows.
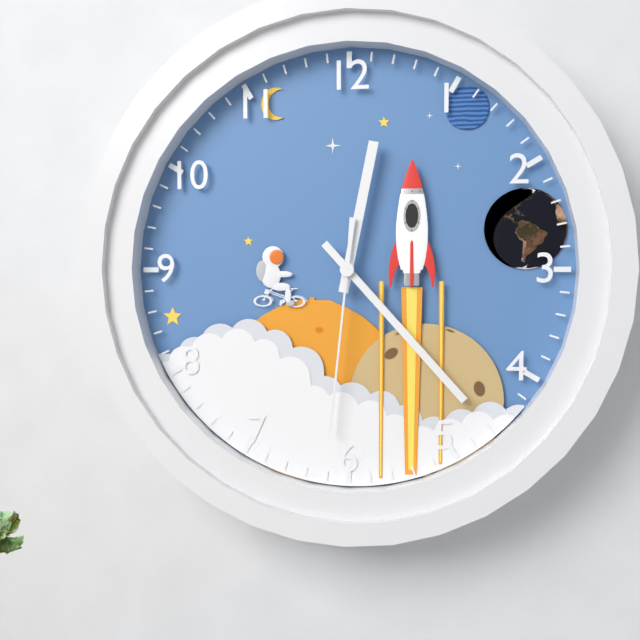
12:23:31
